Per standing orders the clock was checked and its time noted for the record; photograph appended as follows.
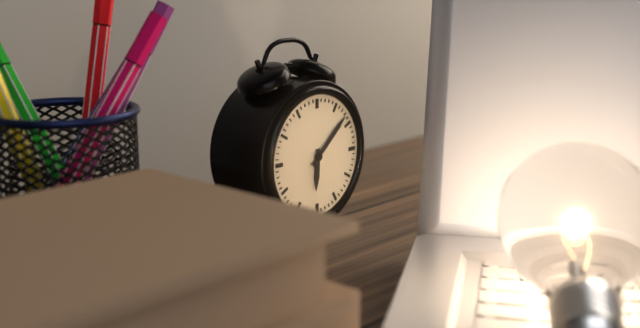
6:08
